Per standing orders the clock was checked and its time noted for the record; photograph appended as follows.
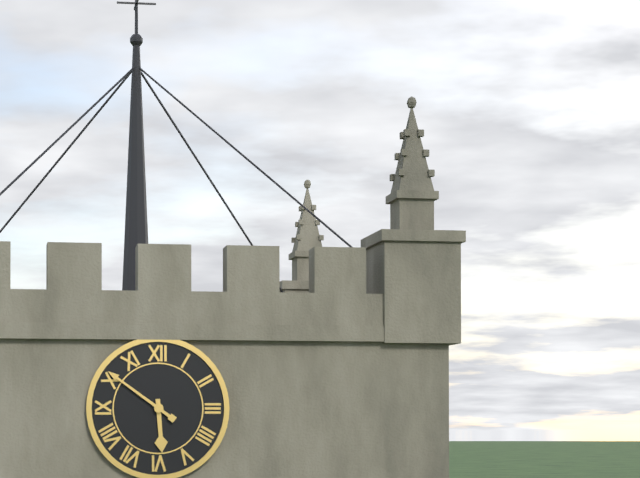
5:51
